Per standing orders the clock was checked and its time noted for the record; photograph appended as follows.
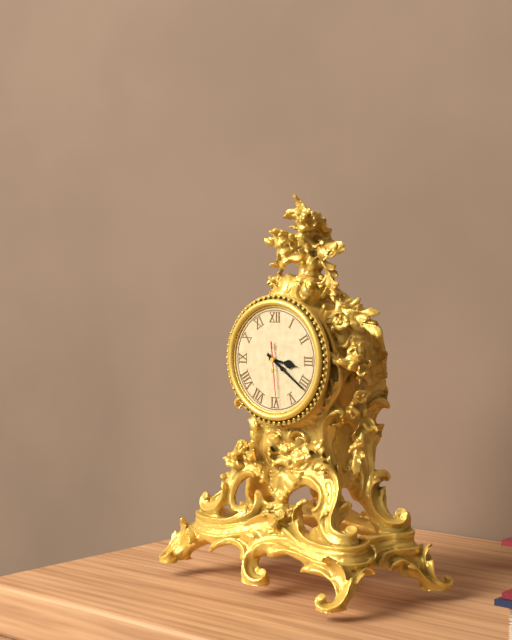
3:21:29
